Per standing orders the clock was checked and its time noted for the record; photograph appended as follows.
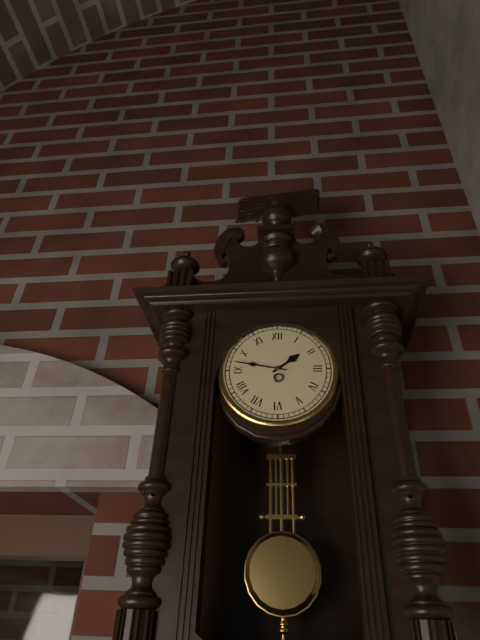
1:47
